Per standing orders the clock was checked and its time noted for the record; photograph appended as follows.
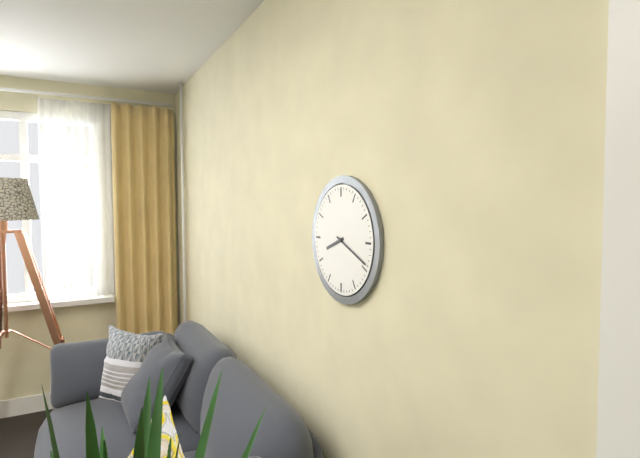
8:19
